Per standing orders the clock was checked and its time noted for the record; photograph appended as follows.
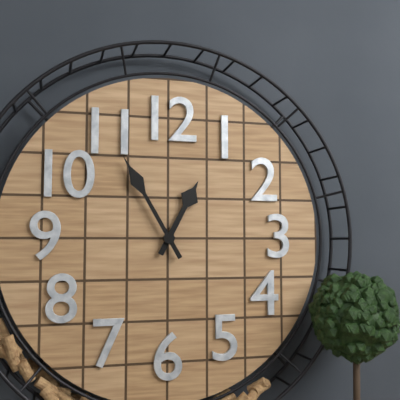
12:55
